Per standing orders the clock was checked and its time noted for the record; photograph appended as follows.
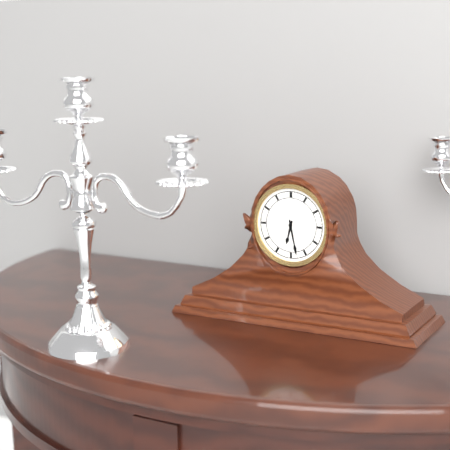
6:28
